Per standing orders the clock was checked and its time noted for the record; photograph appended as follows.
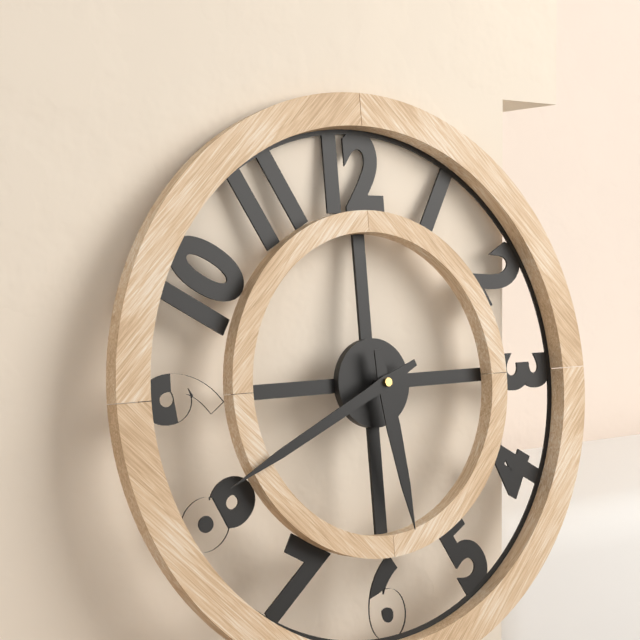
5:41
